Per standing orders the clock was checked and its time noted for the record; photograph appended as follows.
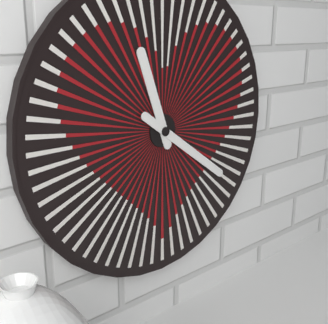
11:21
